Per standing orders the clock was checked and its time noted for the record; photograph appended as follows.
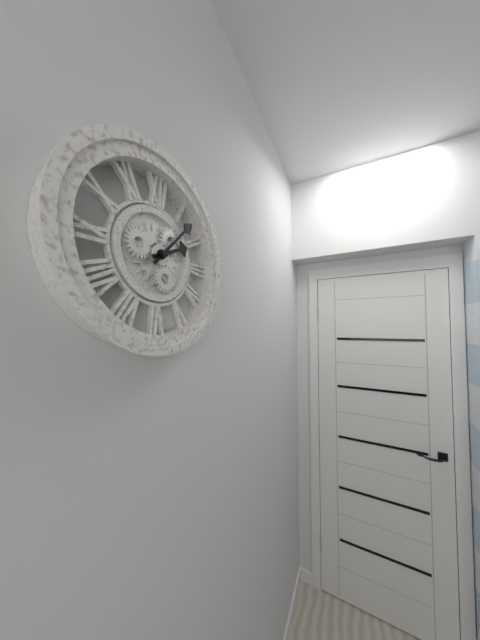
2:07
